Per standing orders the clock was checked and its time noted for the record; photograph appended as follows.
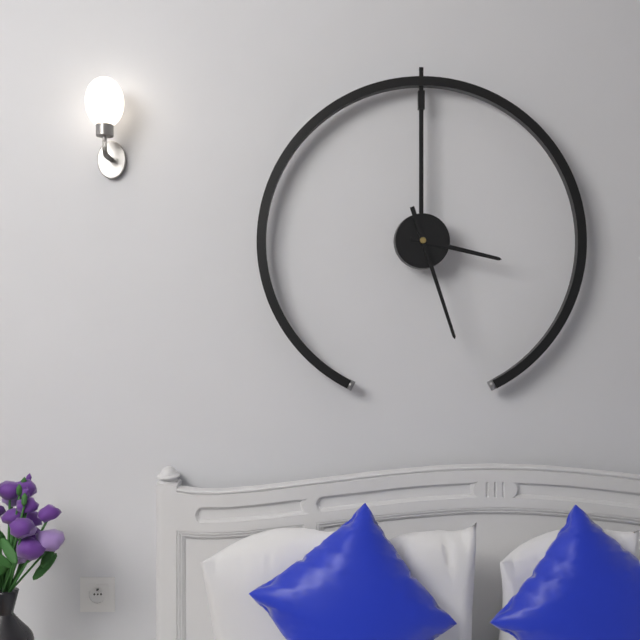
3:27
